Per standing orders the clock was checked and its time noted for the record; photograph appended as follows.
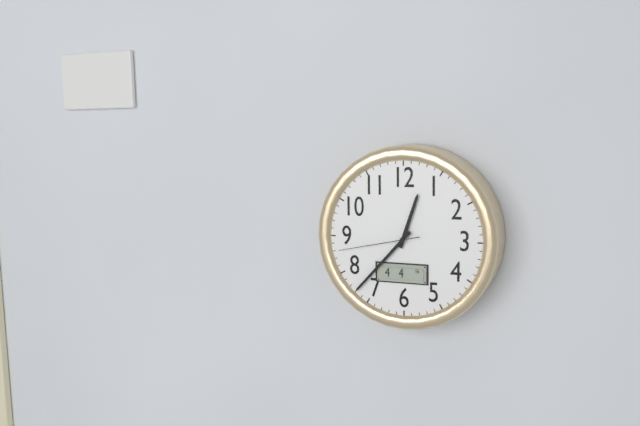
12:37:43
